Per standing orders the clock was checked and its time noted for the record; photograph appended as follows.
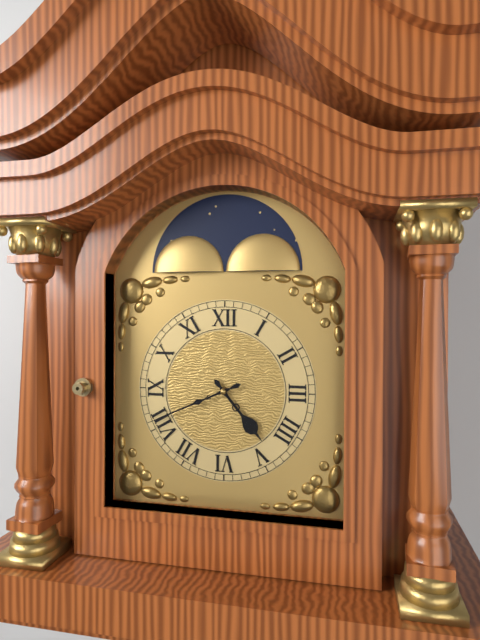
4:41
